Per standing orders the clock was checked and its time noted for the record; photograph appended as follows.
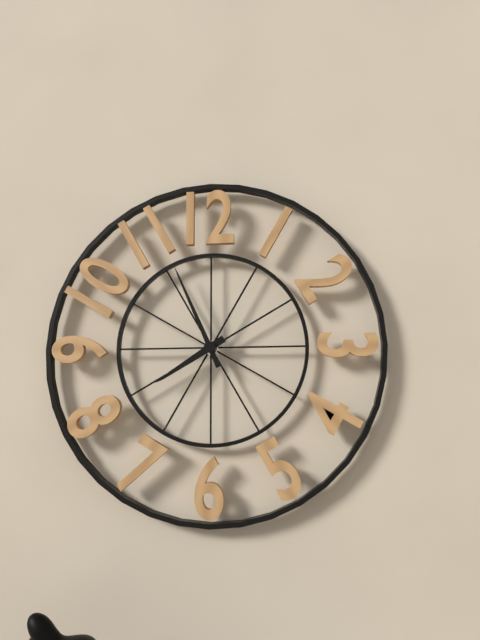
7:56
